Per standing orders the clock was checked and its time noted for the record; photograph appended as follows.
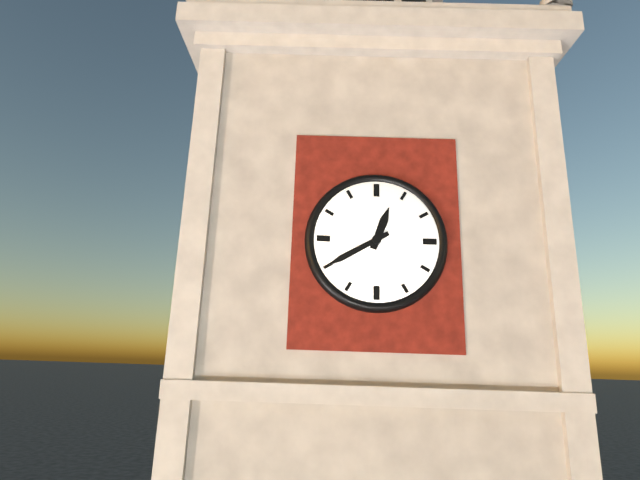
12:40
